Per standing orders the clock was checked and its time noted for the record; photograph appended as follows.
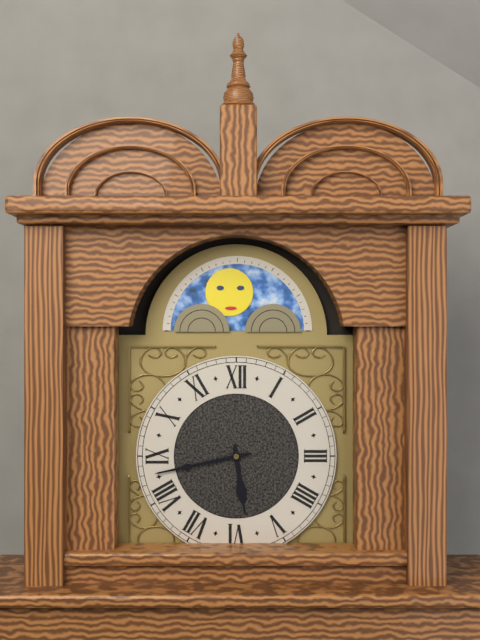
5:43
